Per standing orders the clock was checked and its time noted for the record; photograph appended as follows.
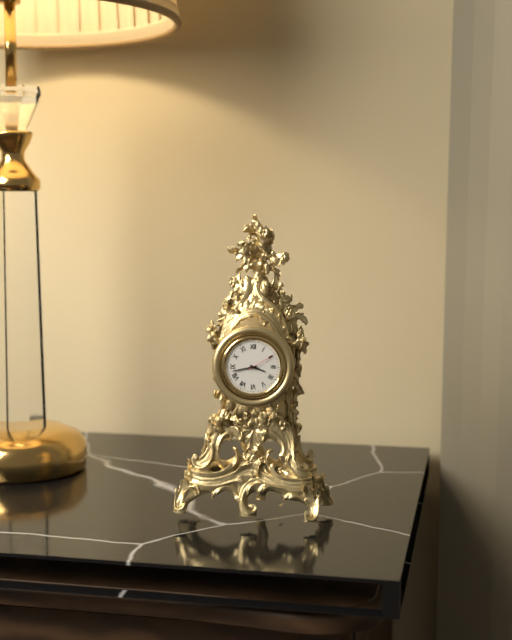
3:43
